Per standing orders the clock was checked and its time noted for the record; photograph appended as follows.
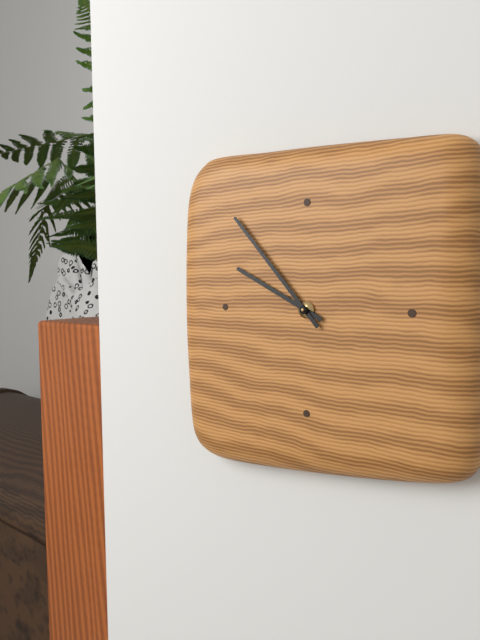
9:53
